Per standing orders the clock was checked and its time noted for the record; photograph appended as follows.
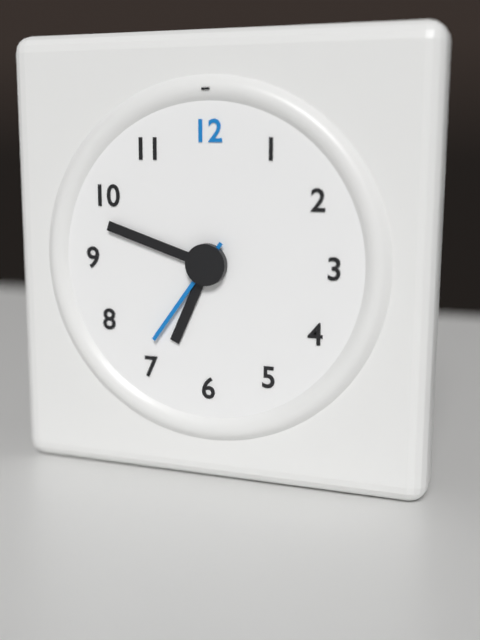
6:48:36
